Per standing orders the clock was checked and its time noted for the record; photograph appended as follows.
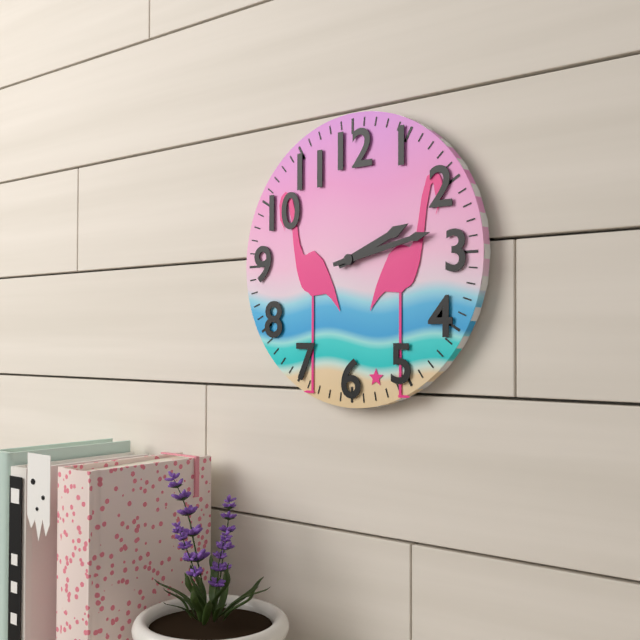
2:13
